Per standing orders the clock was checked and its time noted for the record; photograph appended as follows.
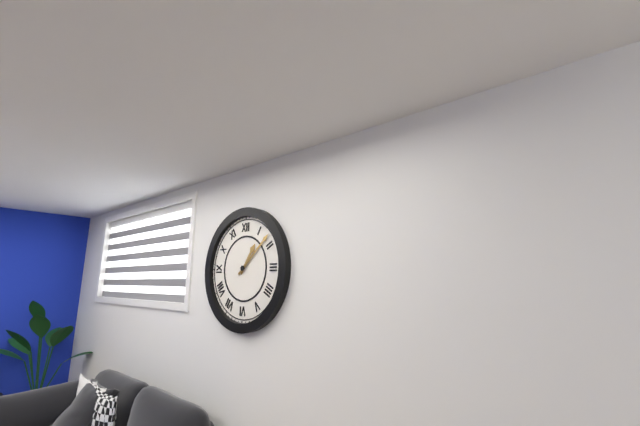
1:08
